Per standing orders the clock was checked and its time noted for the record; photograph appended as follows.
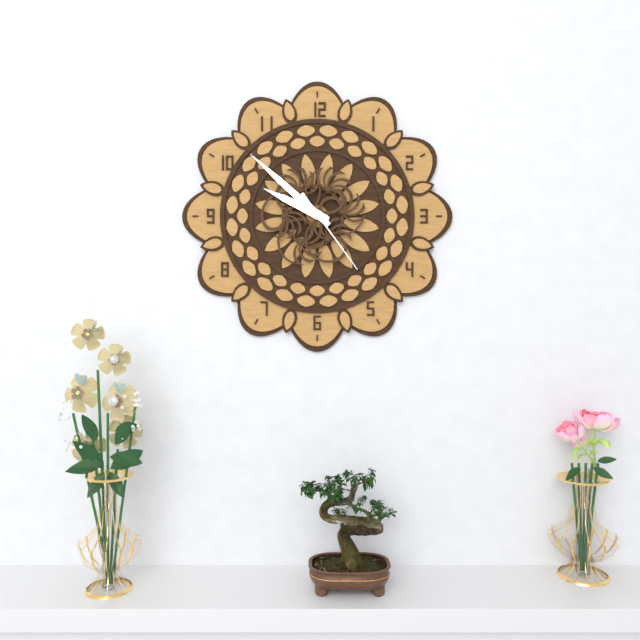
9:52:24
